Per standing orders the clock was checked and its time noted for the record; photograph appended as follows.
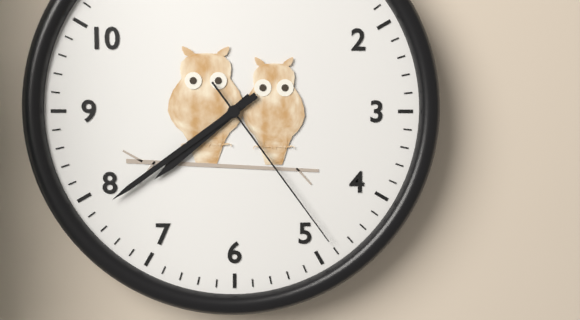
7:39:24
